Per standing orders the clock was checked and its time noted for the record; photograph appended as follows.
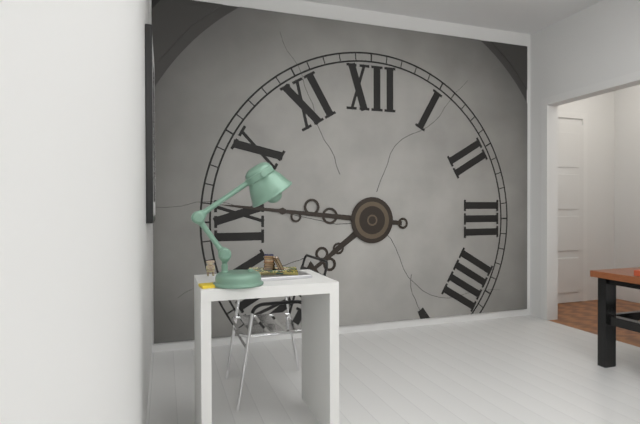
7:46
